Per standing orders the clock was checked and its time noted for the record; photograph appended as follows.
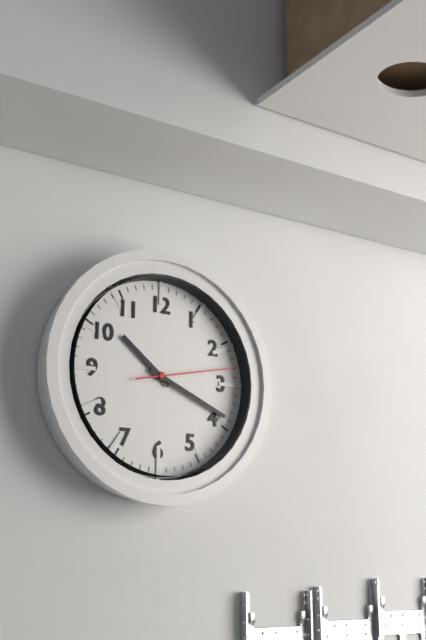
10:19:13
